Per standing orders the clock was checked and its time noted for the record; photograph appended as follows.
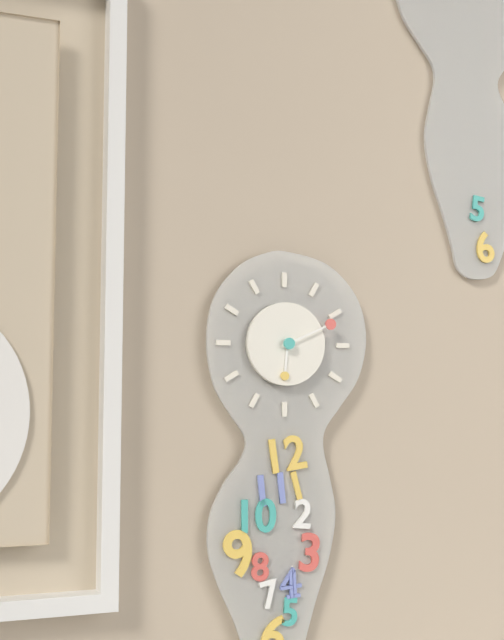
6:11
